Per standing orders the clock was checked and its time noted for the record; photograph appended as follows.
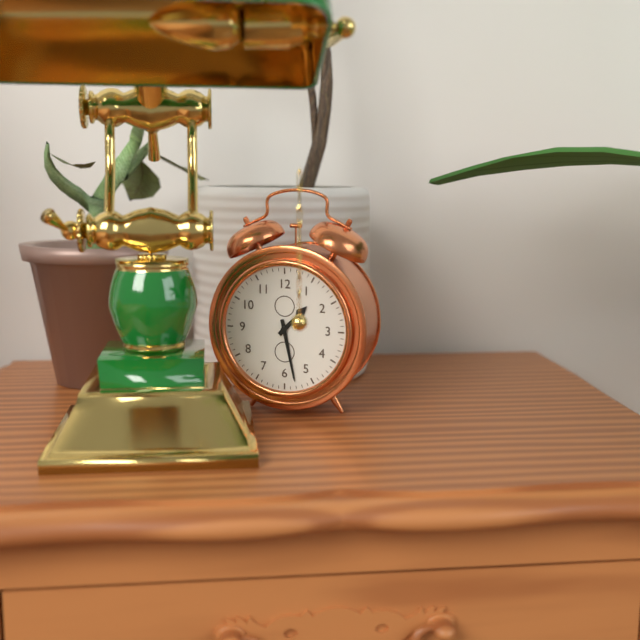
1:28
